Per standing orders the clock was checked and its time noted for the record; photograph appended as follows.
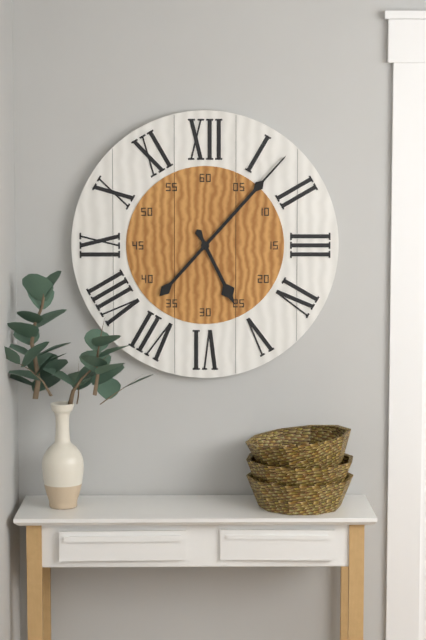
5:07
